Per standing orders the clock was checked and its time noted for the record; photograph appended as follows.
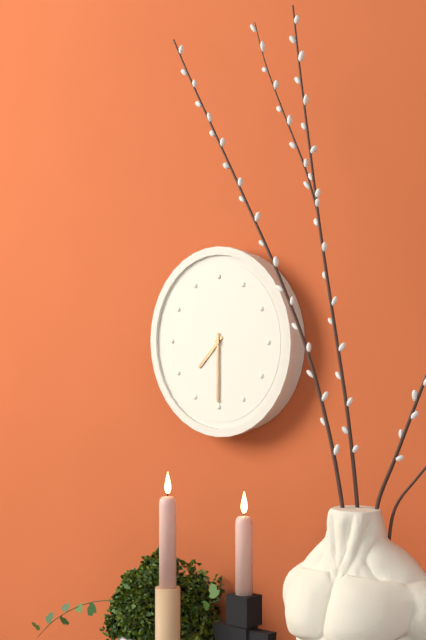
7:30
